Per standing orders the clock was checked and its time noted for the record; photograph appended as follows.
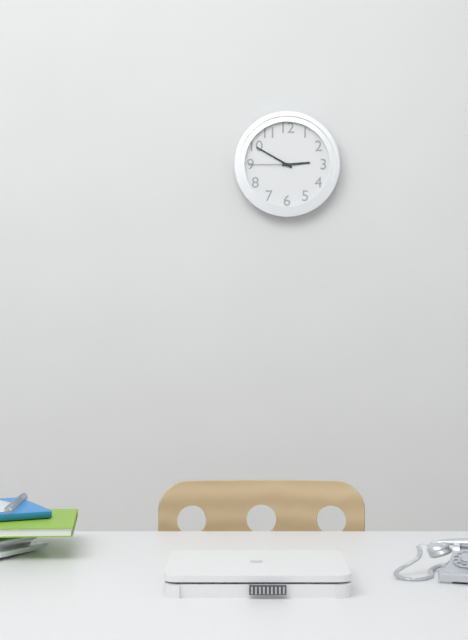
2:50
